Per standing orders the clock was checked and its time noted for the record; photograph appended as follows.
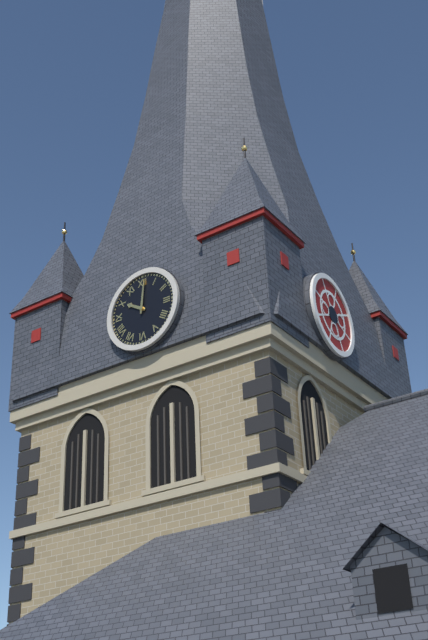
10:01
